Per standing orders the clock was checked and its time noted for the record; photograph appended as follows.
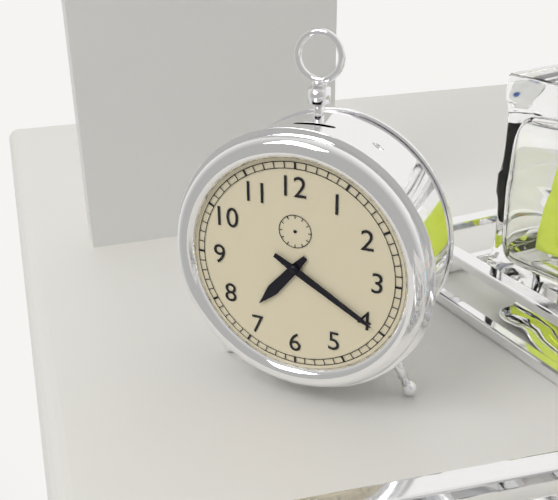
7:20
